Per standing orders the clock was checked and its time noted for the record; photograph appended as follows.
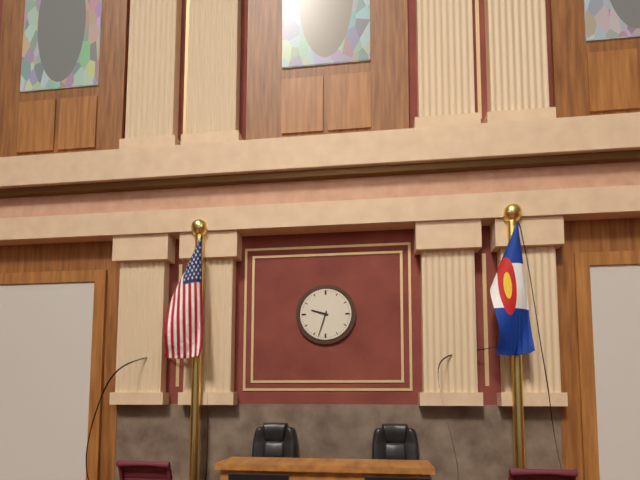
9:33
